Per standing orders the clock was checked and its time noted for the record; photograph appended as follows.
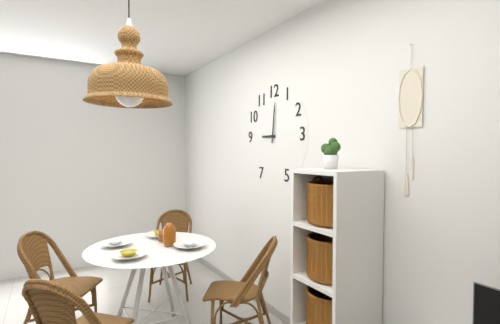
9:01
